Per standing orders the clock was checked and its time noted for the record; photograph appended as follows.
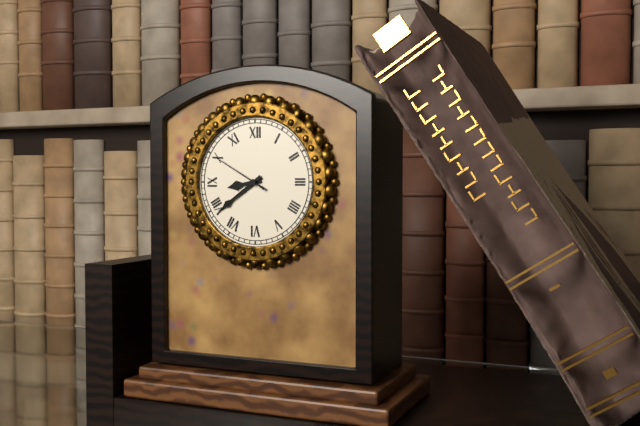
8:39:50
